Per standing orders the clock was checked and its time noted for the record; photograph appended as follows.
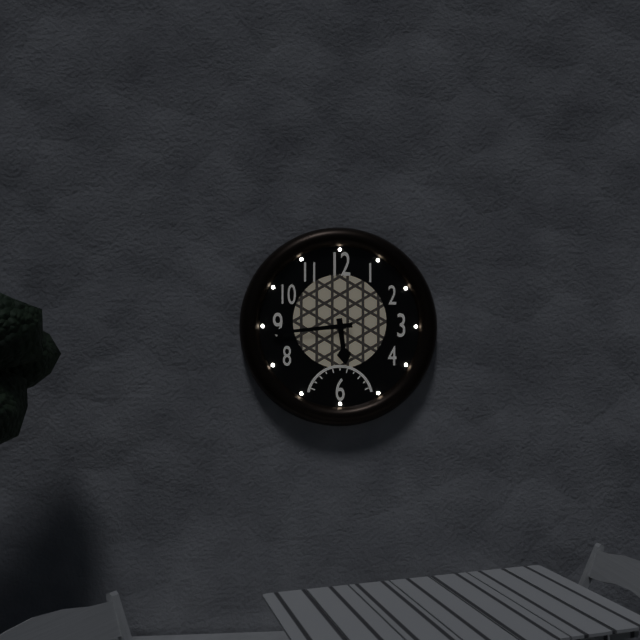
5:44
